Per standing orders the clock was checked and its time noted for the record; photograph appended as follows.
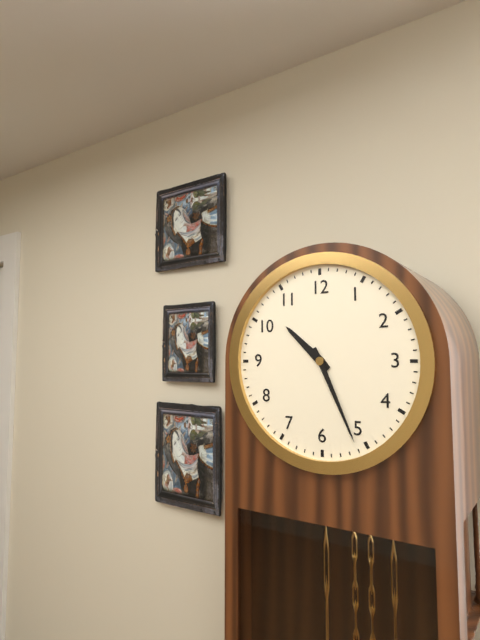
10:26
